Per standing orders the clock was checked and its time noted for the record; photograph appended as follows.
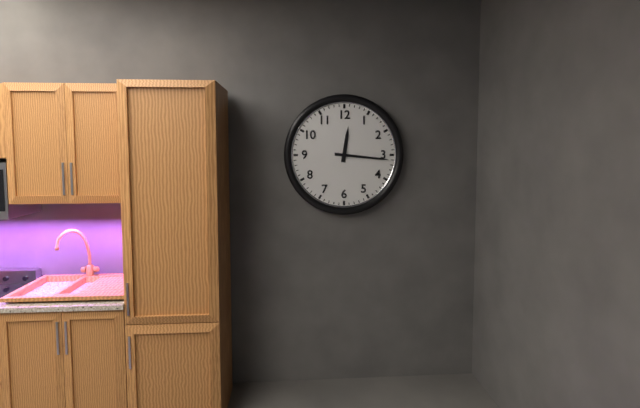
12:16
